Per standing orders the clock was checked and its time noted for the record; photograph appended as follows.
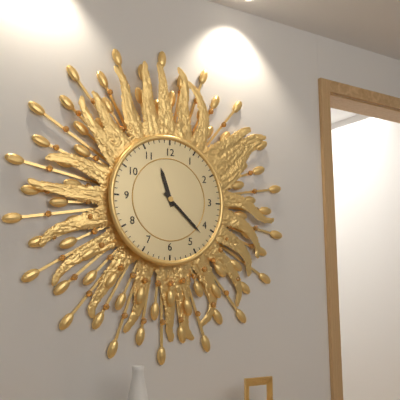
11:22
